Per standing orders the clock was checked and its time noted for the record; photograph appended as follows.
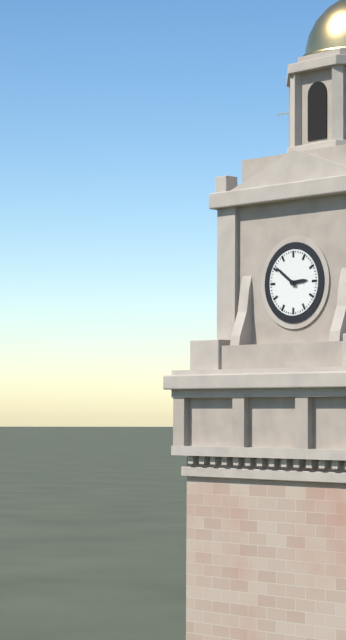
2:51
